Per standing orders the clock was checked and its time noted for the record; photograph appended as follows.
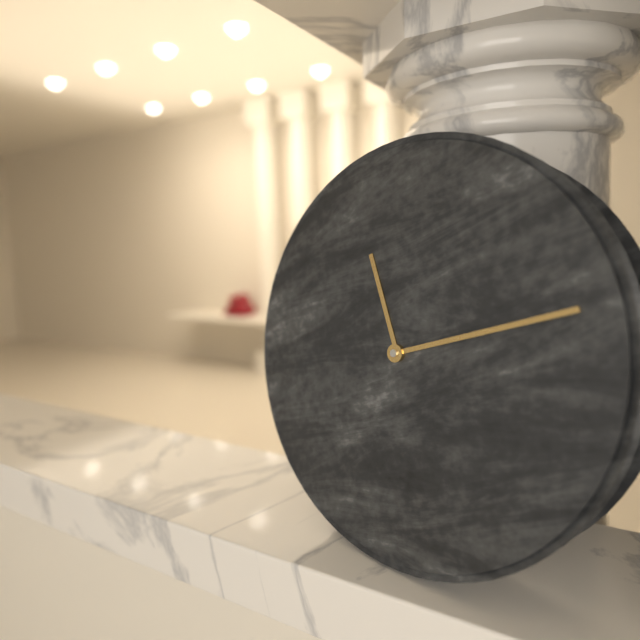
11:12
